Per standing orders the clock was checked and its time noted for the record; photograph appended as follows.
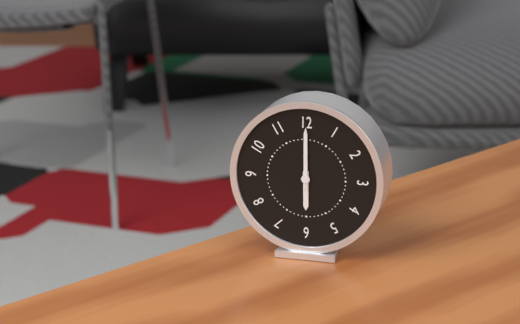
6:00
